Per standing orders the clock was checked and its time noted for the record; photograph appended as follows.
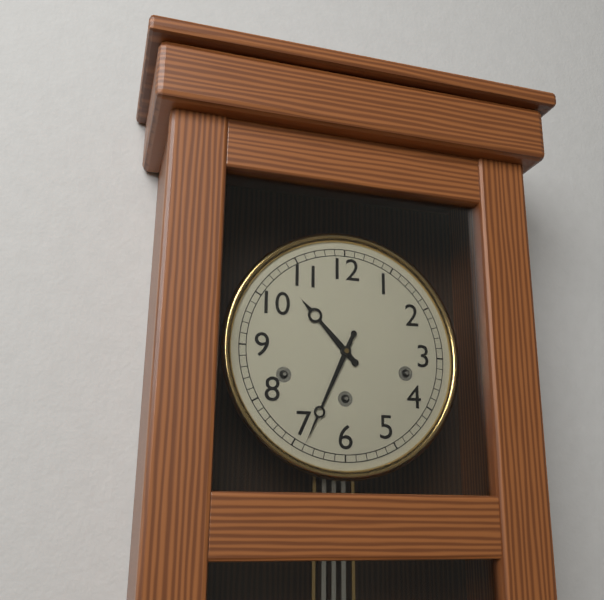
10:34
